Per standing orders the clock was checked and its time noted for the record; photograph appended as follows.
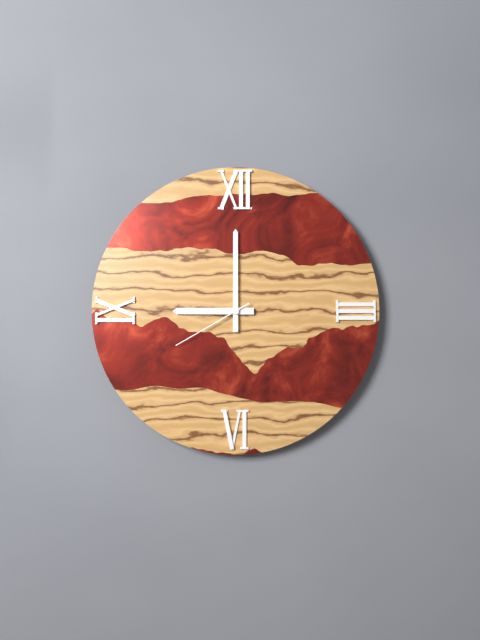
9:00:40
